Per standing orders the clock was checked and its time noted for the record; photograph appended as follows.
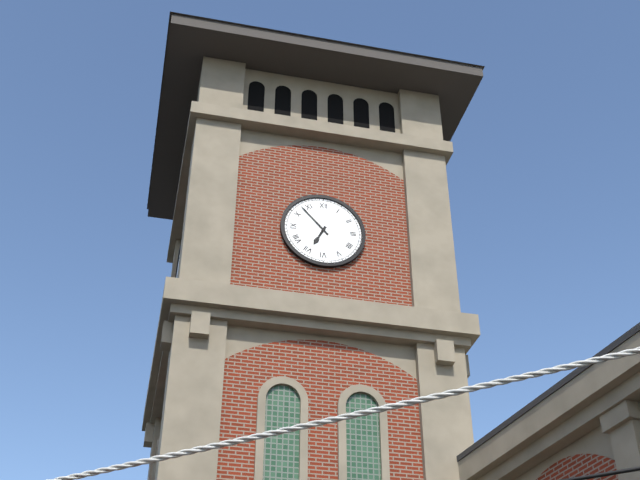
6:53
